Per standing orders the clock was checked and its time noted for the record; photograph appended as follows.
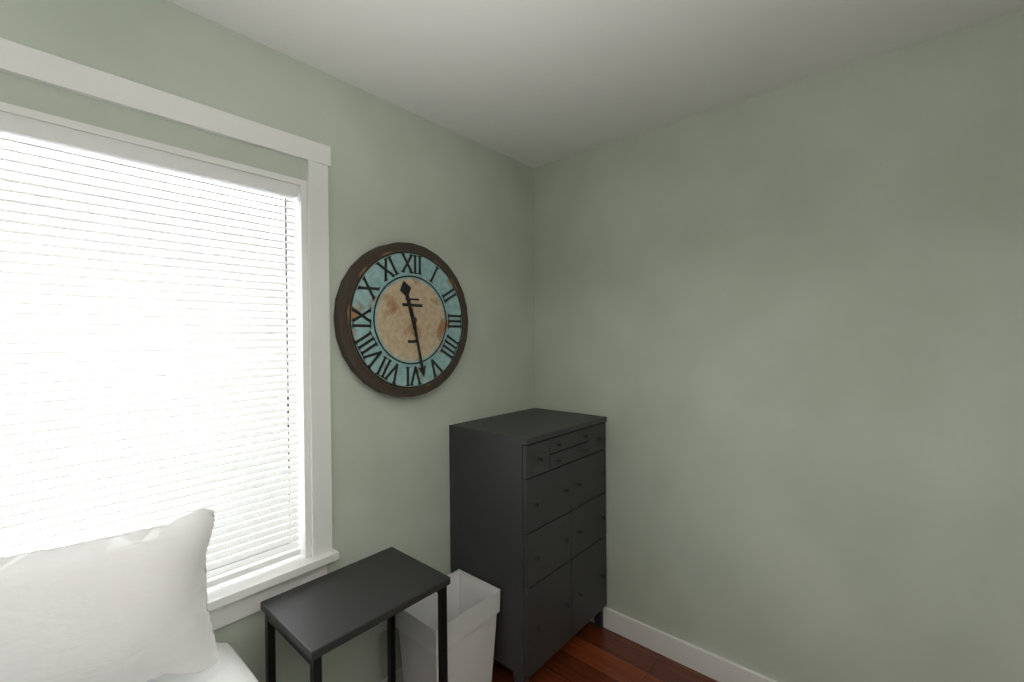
11:28
